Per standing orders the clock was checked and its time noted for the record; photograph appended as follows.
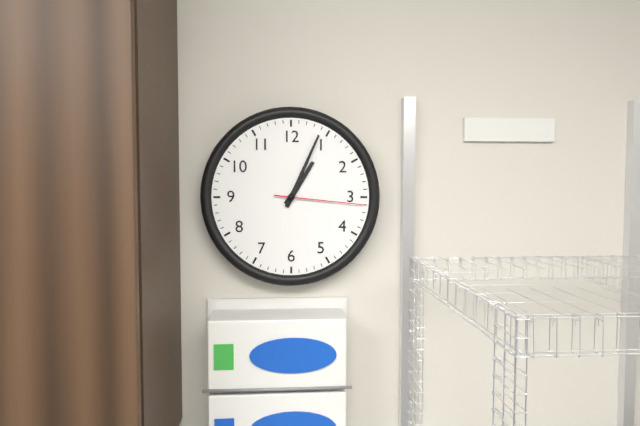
1:04:16
